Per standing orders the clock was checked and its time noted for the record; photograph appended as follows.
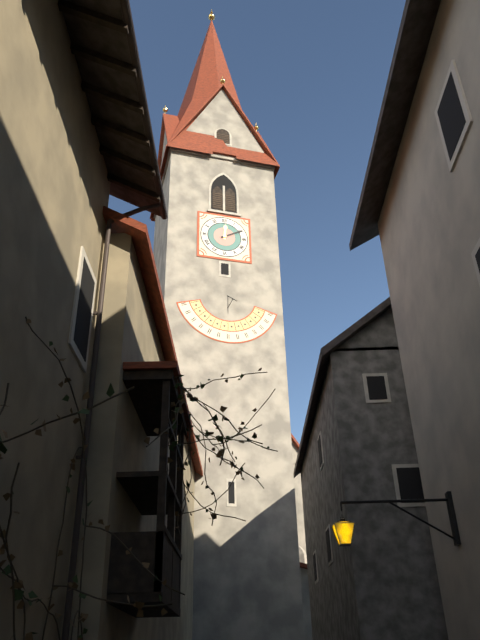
12:10
